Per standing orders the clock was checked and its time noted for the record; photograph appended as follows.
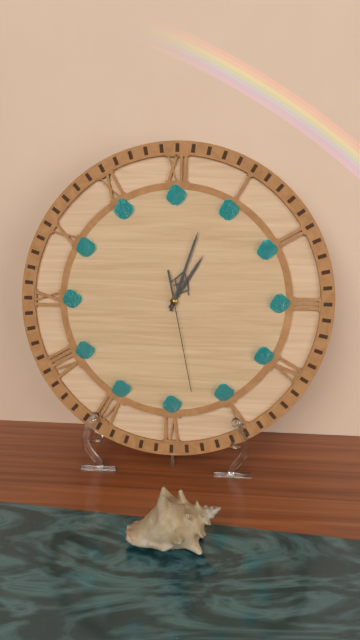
1:03:28
